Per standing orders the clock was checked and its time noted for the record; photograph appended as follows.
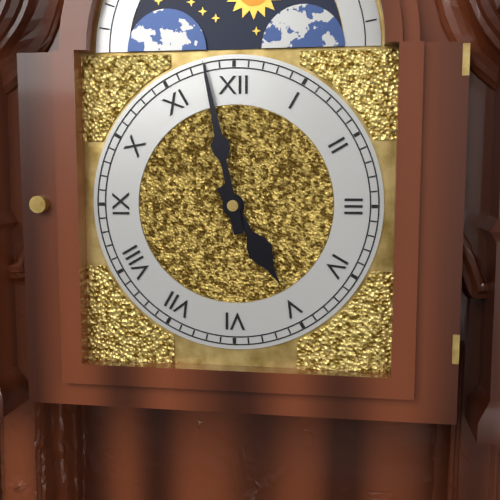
4:58
